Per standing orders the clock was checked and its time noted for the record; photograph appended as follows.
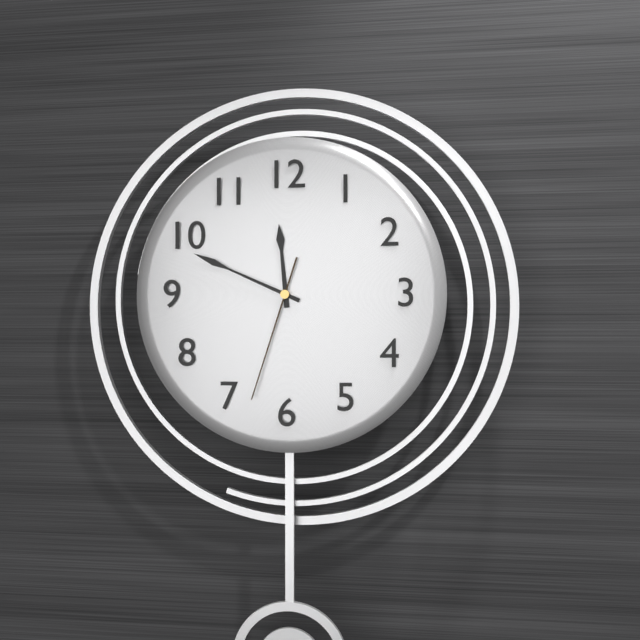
11:49:33
